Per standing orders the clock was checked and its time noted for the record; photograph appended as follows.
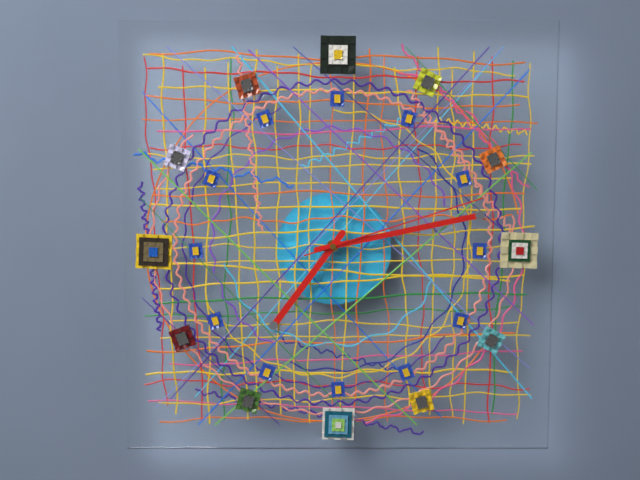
7:13:12
